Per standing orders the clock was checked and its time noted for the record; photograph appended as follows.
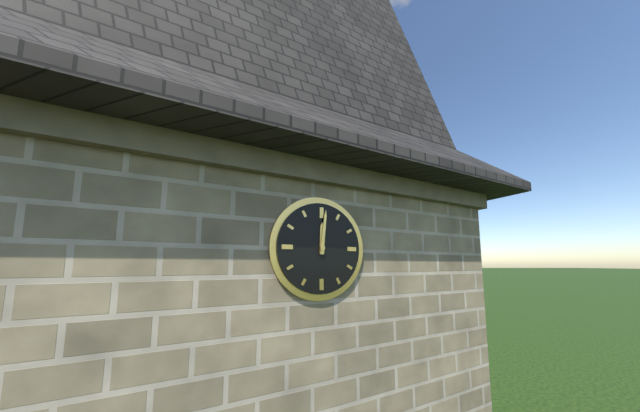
12:01
